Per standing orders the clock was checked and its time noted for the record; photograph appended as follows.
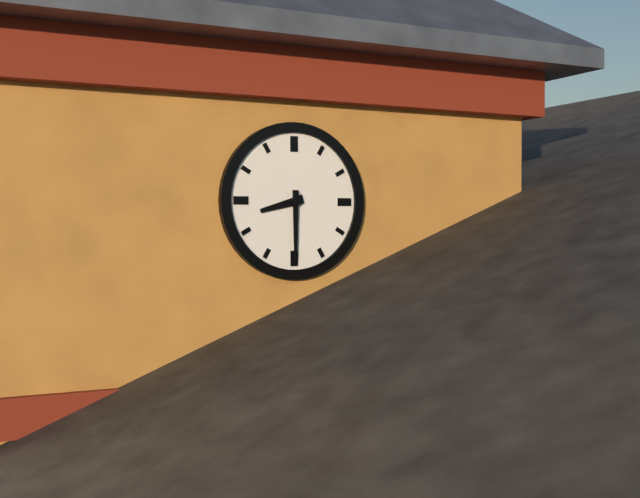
8:30
